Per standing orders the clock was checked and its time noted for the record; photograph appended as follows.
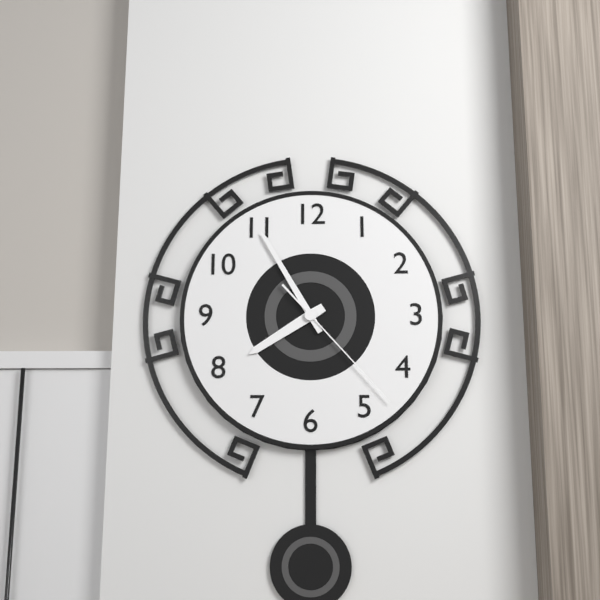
7:55:23
